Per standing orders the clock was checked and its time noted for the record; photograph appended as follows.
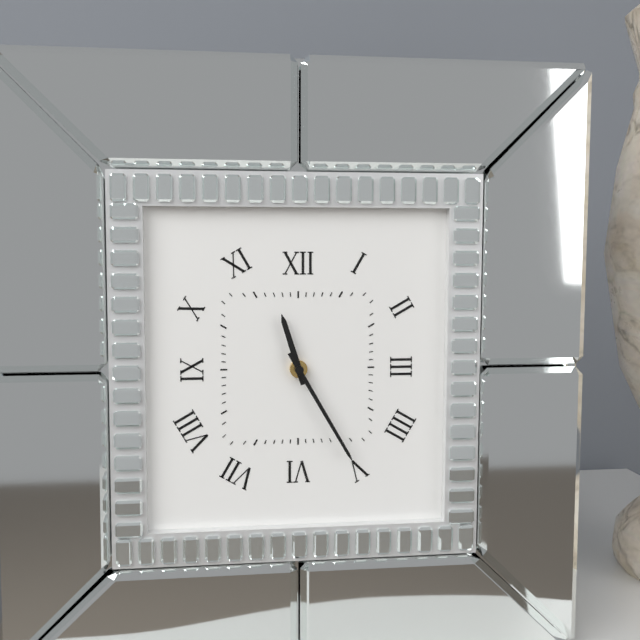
11:25
